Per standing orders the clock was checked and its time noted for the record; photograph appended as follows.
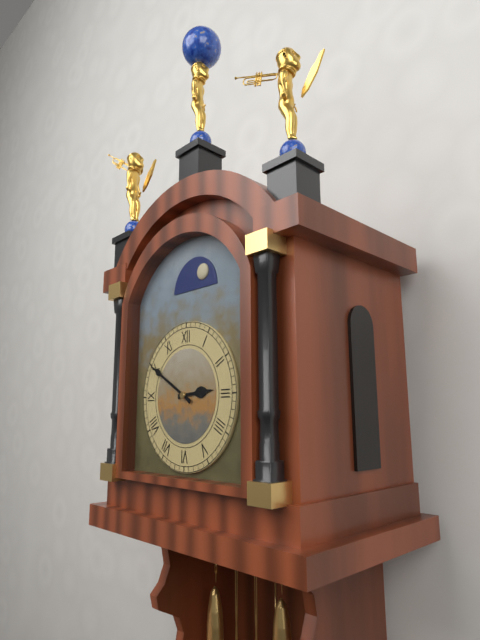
2:50
